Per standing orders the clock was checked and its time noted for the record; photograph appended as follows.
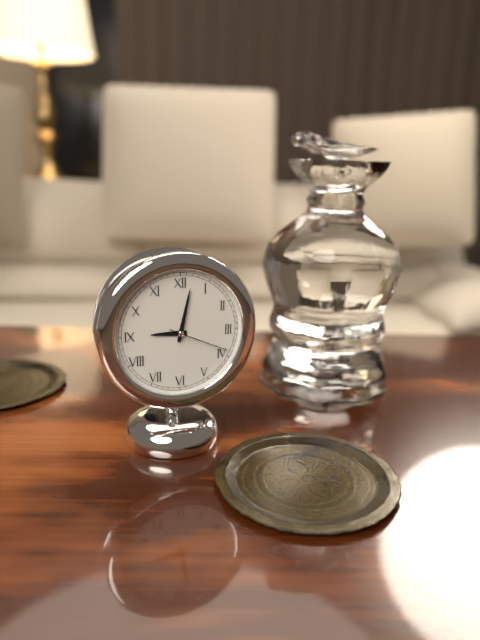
9:02:19
